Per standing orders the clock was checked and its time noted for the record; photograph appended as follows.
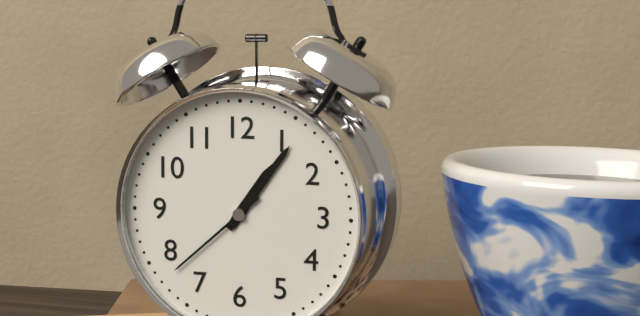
1:06:38
